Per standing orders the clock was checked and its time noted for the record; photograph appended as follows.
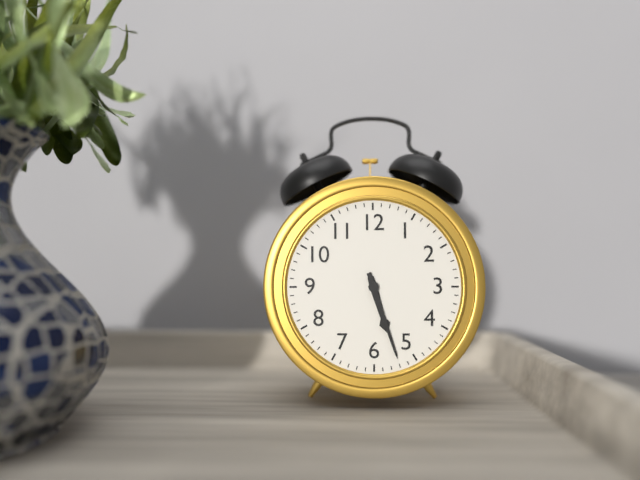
5:27
